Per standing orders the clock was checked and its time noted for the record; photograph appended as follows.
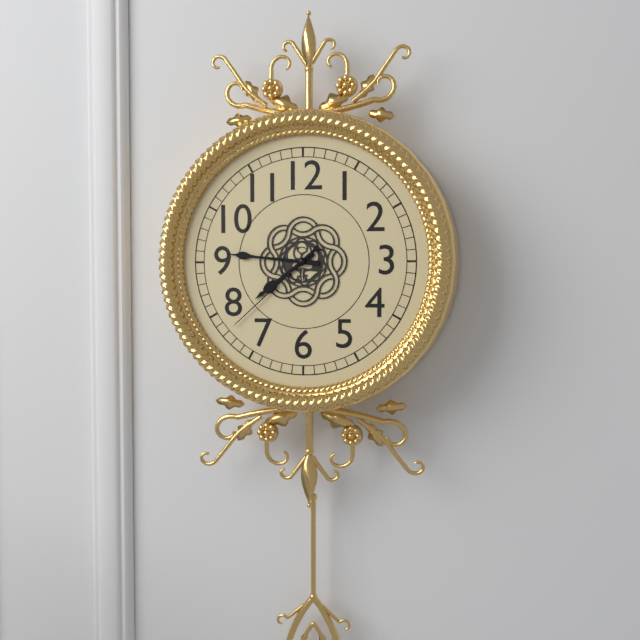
7:46:38
